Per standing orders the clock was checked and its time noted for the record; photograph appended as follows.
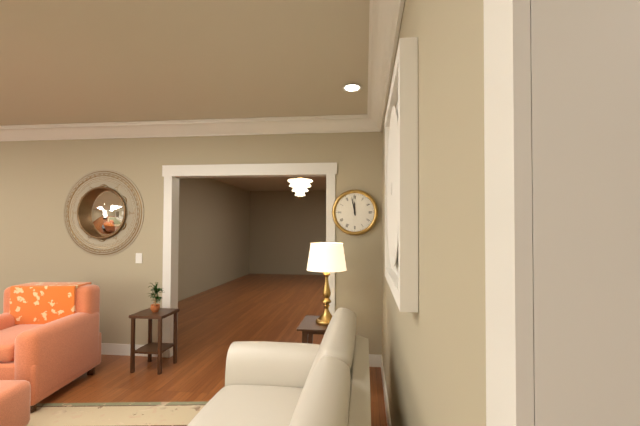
11:58
